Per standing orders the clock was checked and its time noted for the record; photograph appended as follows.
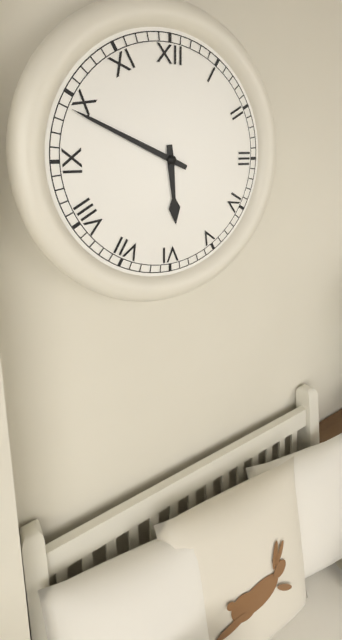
5:49
